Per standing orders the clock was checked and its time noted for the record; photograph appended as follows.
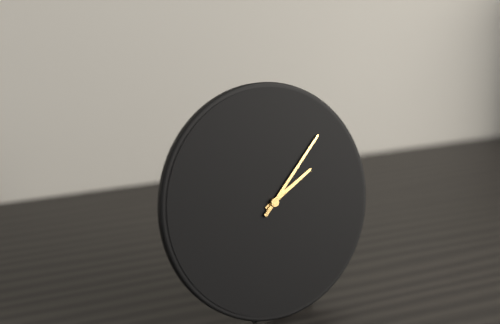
2:08
